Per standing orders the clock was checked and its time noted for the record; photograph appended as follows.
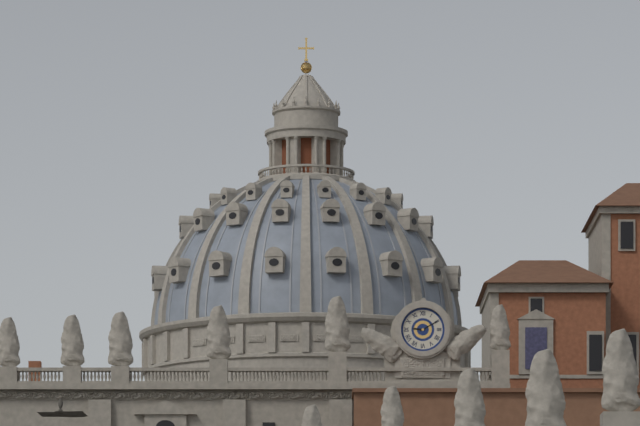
9:10
